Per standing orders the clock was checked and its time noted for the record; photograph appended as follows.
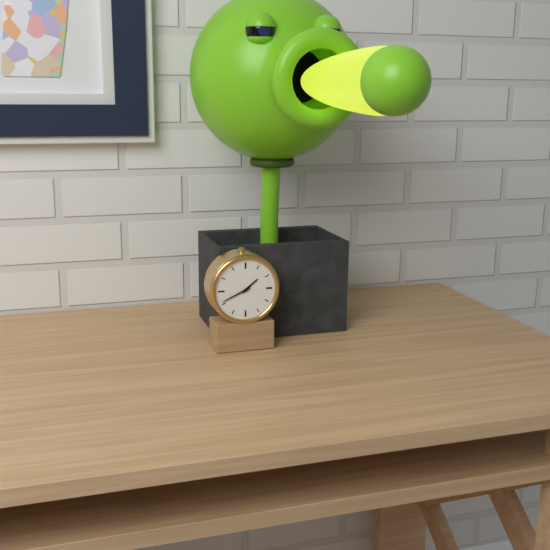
1:41
